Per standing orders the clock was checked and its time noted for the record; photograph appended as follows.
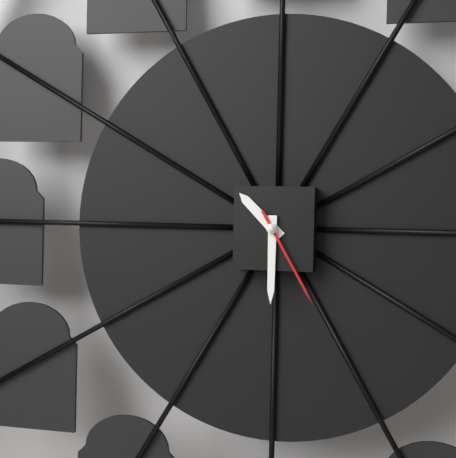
10:30:25
